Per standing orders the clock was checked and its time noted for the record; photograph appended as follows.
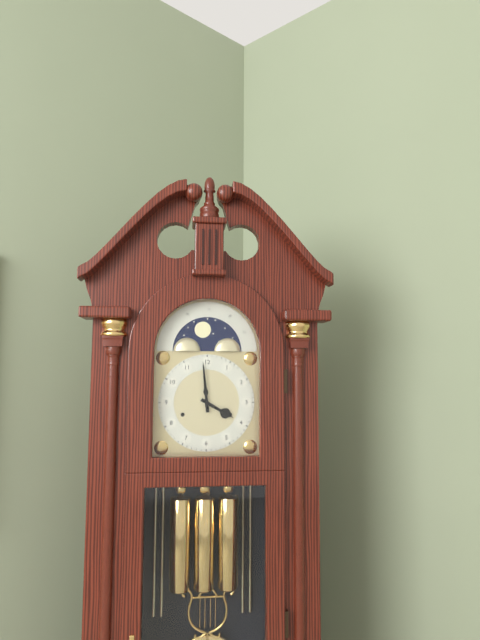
3:59
